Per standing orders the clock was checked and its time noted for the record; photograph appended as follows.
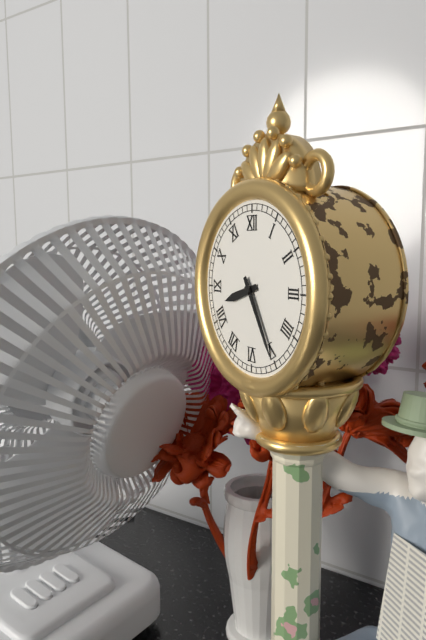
8:25
